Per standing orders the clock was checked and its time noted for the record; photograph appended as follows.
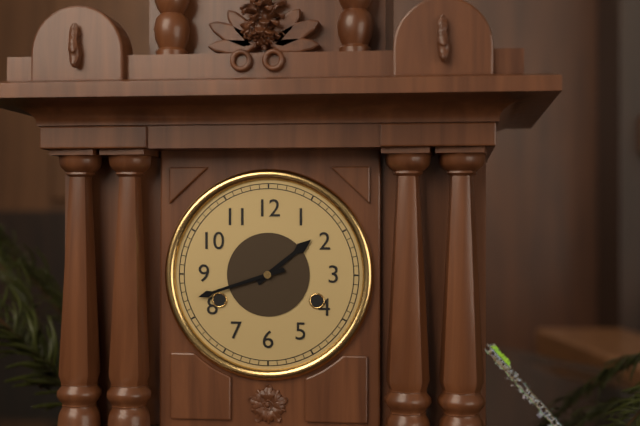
1:42
